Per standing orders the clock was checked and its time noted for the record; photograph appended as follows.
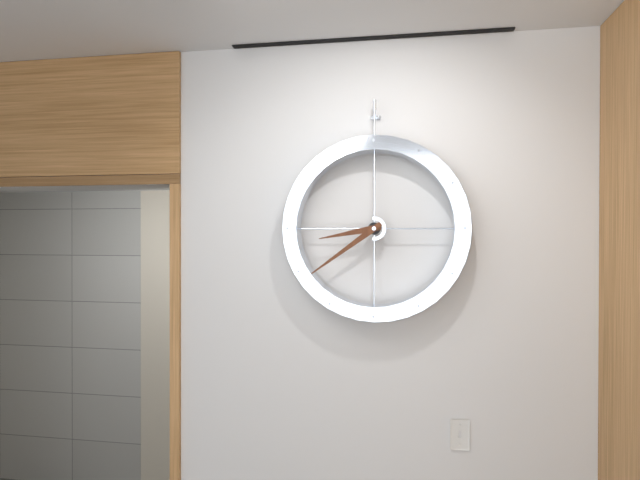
8:39
